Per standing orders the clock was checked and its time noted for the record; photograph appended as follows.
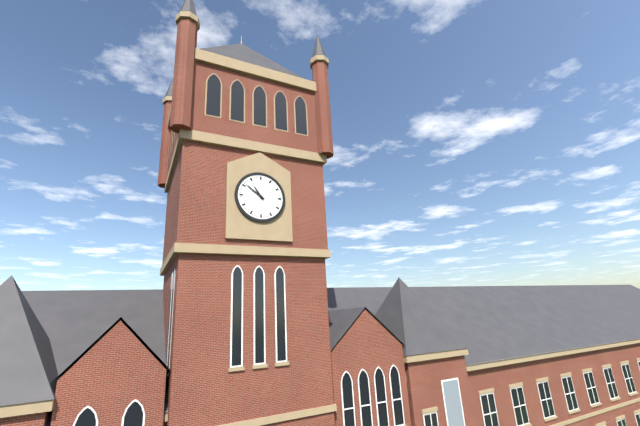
10:51
